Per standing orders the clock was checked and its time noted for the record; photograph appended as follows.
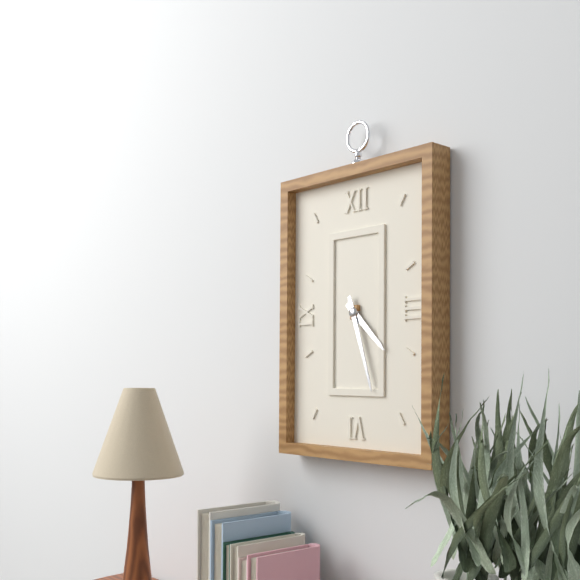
4:27
